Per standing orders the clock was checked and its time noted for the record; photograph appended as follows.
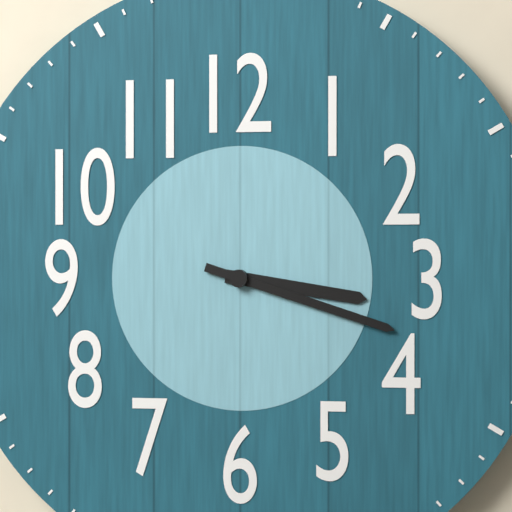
3:18
